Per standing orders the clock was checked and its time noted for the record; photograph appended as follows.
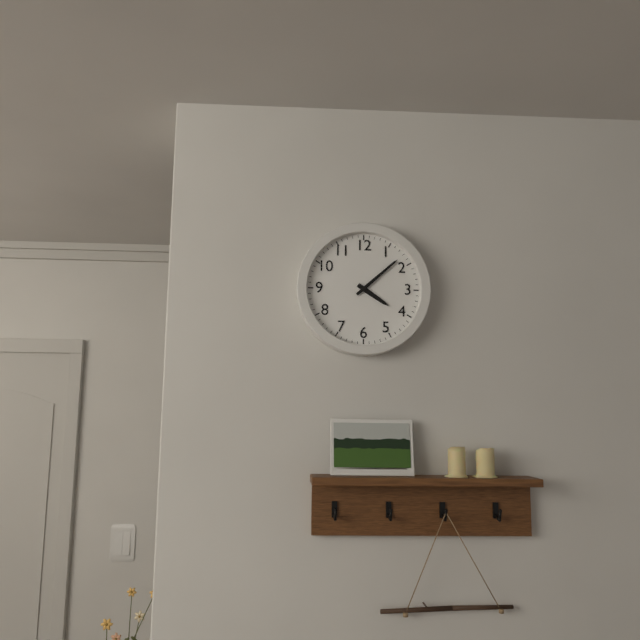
4:08
